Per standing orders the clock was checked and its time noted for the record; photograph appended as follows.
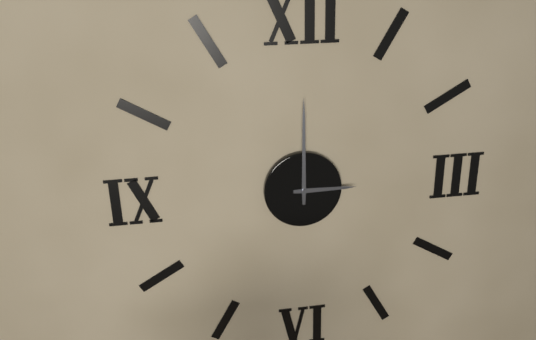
3:00
